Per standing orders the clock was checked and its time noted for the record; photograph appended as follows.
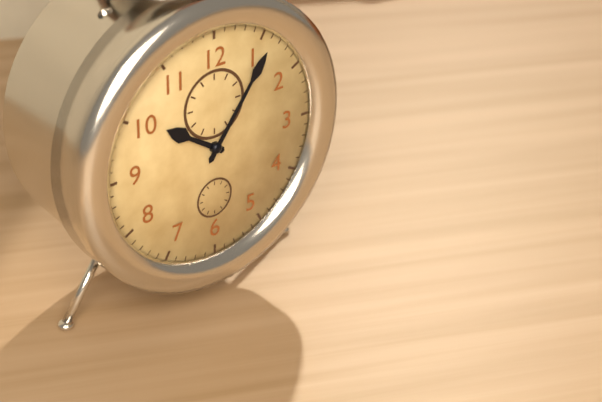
10:06
